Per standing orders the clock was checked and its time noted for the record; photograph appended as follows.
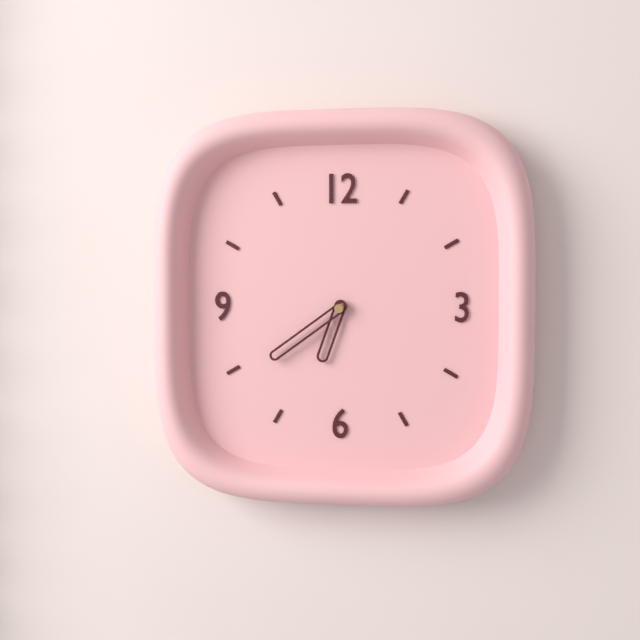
6:39
